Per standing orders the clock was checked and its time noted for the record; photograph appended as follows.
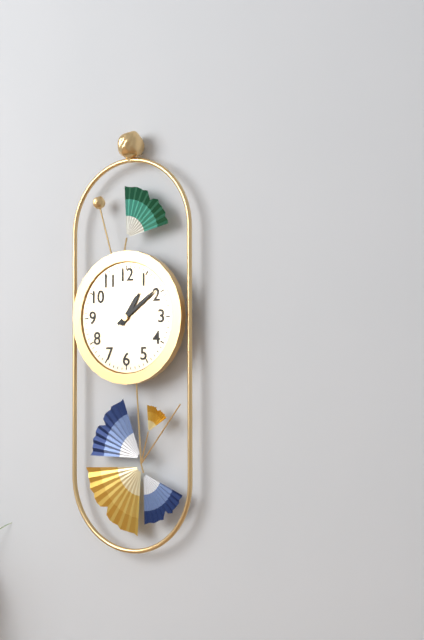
1:09
